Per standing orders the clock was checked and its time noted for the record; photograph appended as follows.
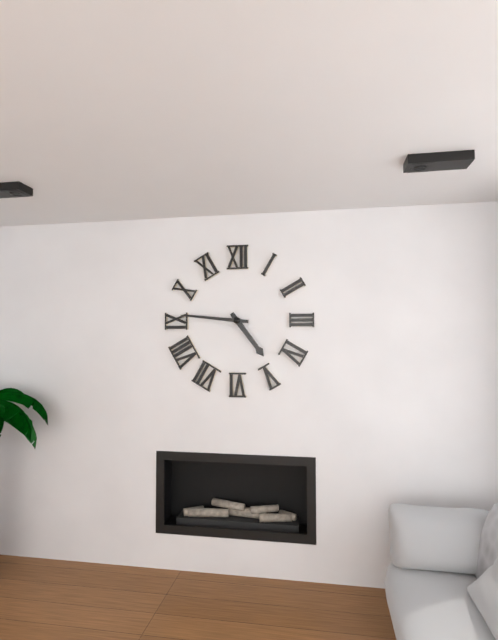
4:46
